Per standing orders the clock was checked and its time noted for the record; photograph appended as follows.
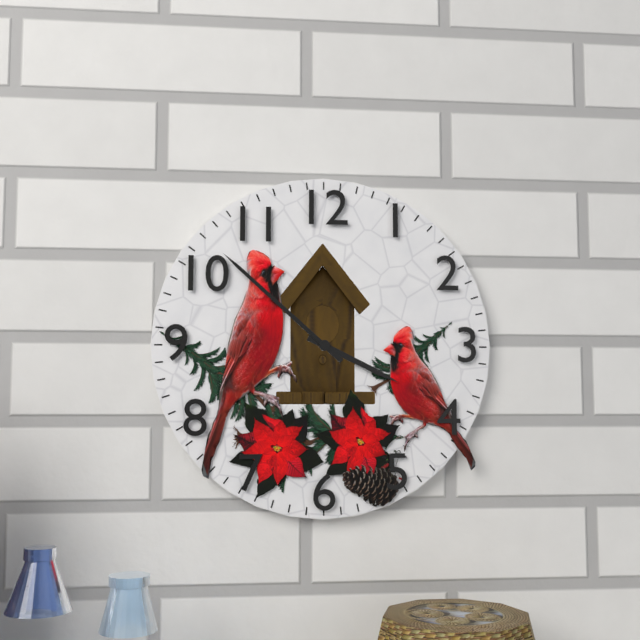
3:52
